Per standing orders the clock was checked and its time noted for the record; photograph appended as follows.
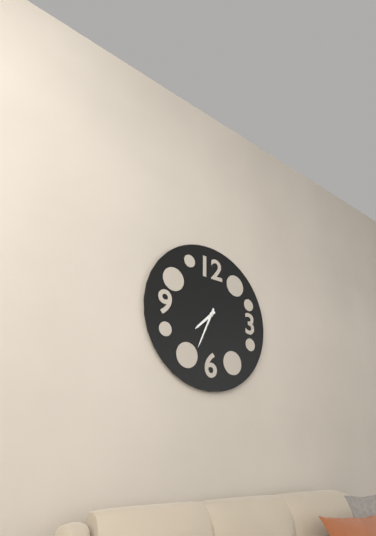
7:34
